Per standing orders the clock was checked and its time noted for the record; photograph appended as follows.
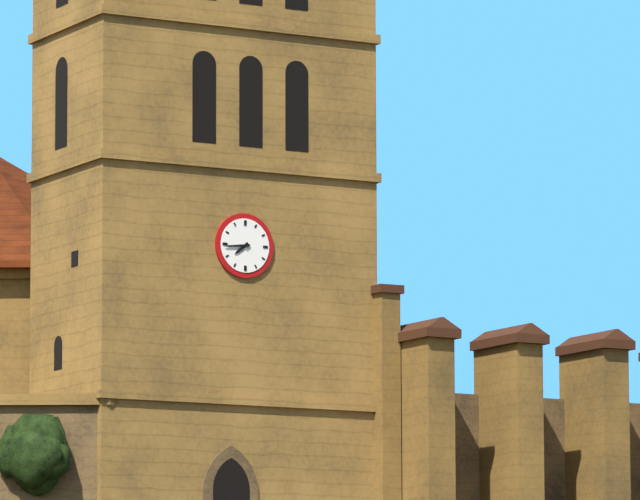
7:44
